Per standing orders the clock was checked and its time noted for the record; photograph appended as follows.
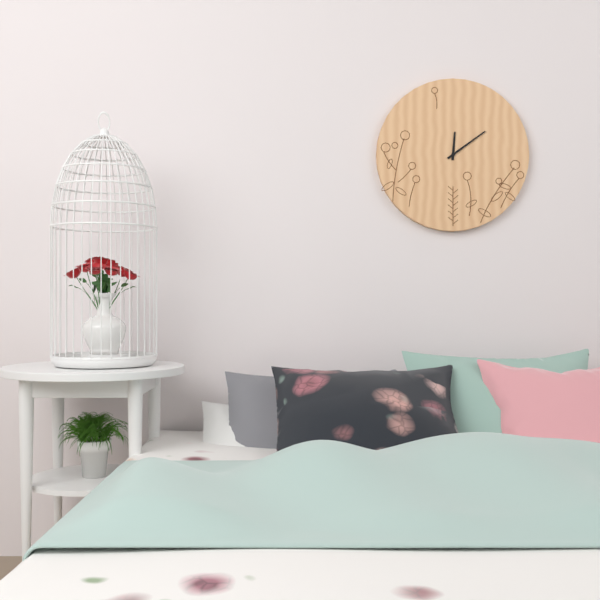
12:09
